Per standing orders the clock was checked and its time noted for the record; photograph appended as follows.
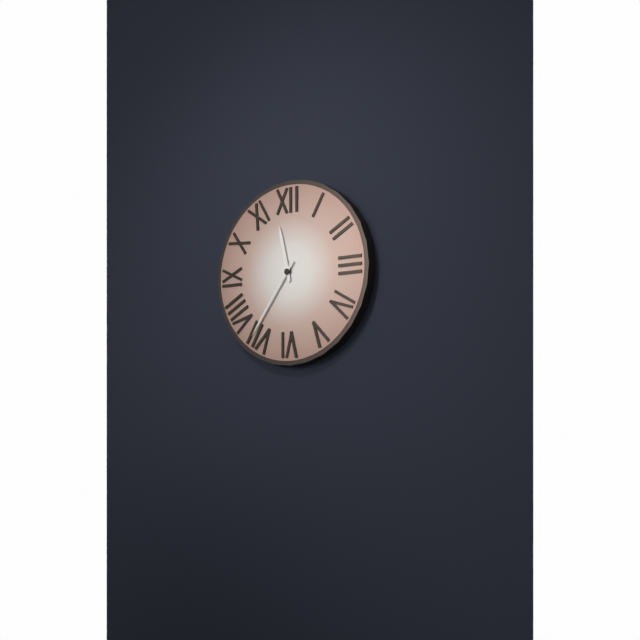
11:36
